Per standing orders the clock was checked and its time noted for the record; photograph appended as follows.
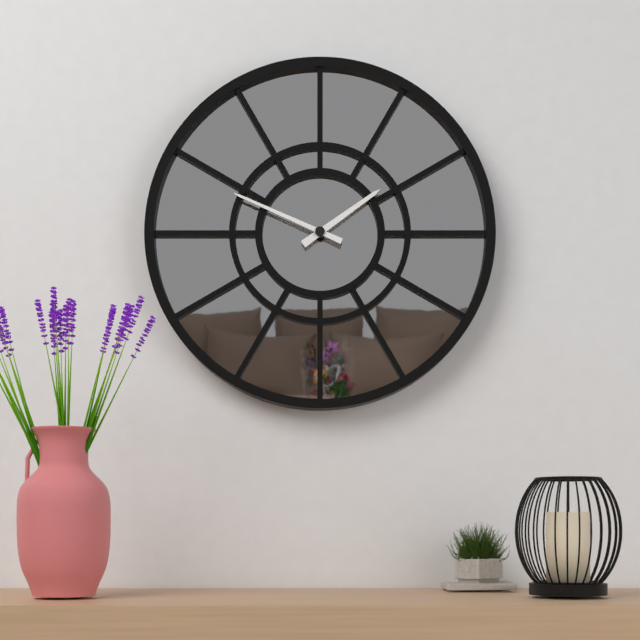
1:49
